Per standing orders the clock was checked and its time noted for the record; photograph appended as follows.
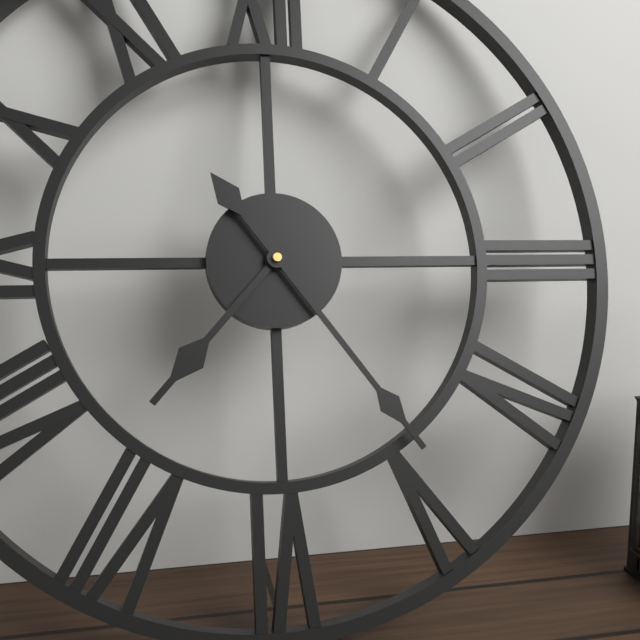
7:24
